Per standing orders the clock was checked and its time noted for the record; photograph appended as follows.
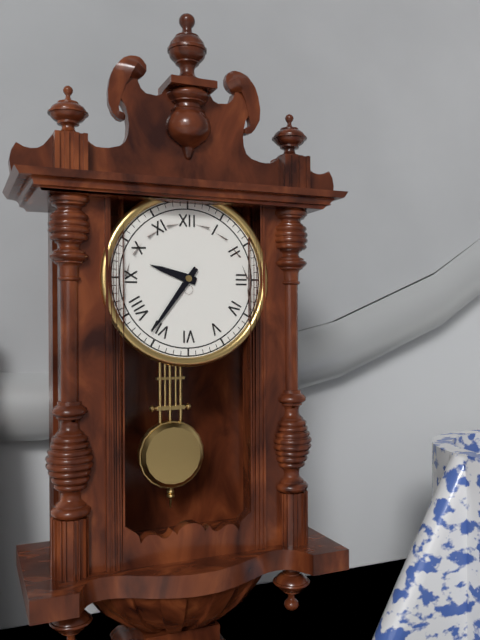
9:36
